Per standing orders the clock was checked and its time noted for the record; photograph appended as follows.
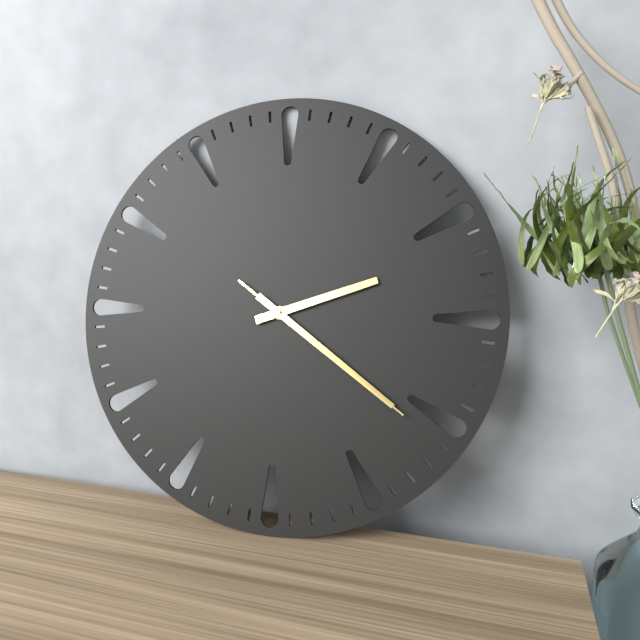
2:21:21
